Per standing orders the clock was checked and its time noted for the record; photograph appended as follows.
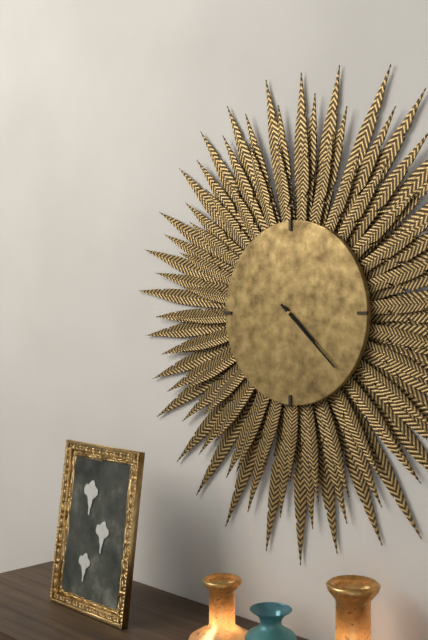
4:22
